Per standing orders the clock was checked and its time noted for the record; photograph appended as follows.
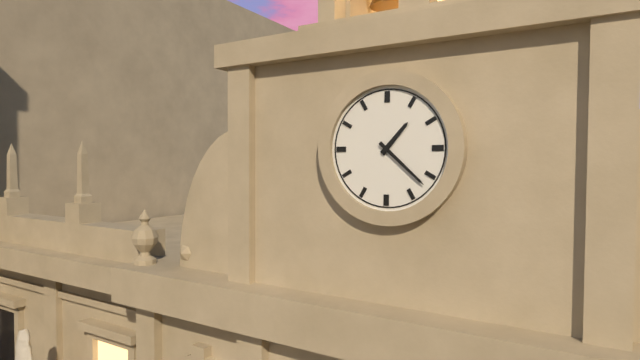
1:22
